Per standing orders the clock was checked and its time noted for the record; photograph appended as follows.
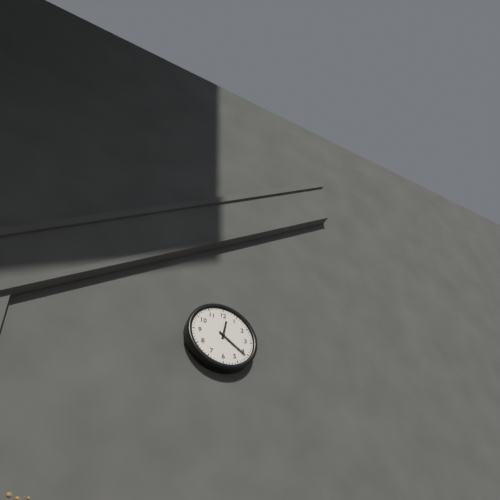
12:21
